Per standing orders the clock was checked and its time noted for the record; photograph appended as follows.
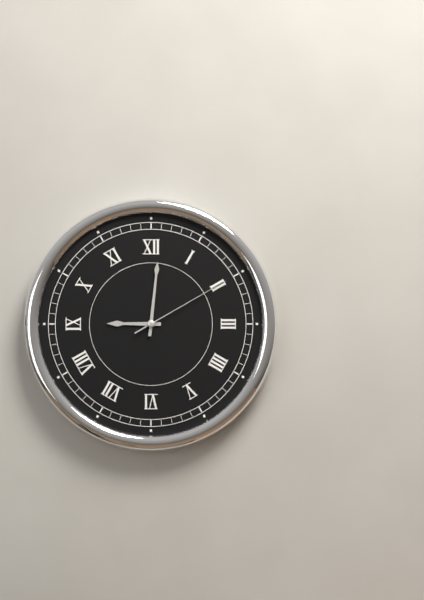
9:01:10
